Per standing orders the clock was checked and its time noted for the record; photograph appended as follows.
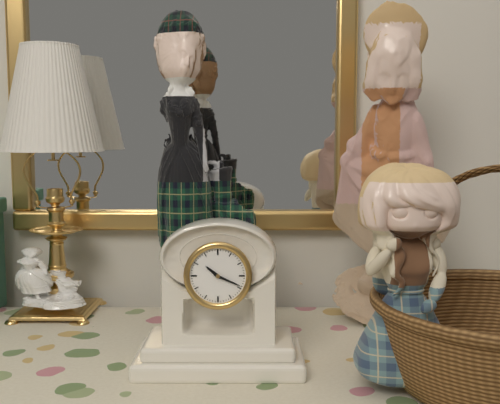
10:19
